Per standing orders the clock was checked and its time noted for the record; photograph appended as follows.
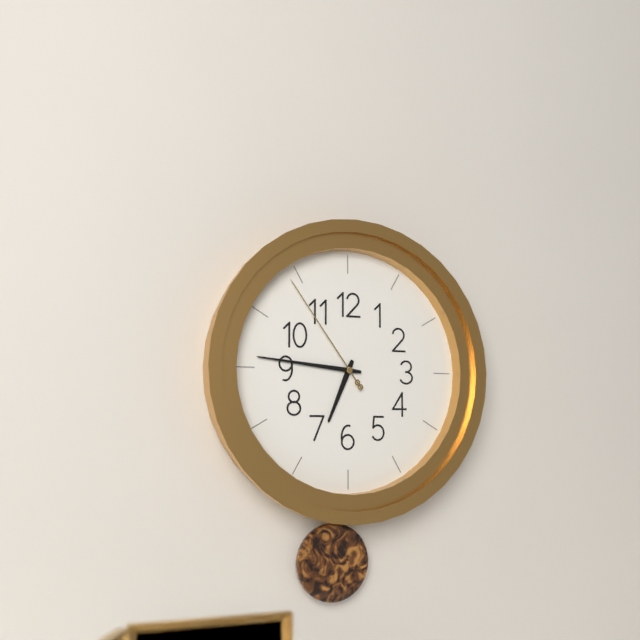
6:46:54
